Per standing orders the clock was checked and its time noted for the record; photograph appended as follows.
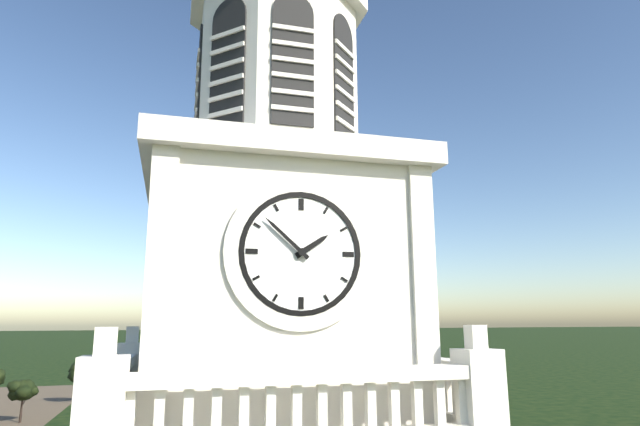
1:52
